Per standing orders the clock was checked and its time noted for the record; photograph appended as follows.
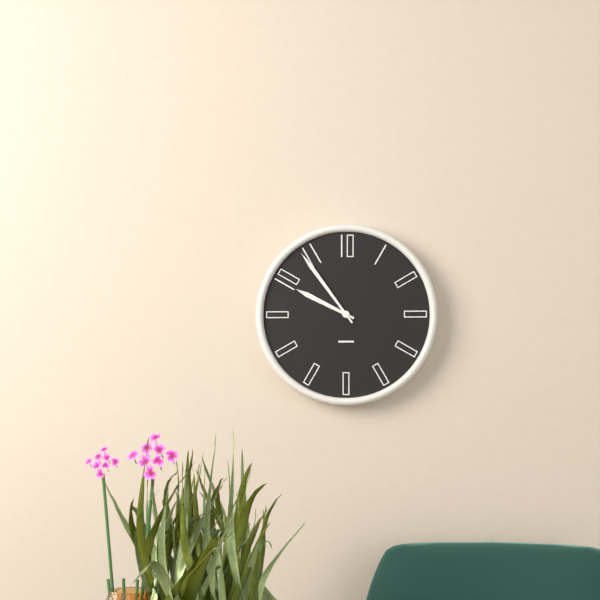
9:54
